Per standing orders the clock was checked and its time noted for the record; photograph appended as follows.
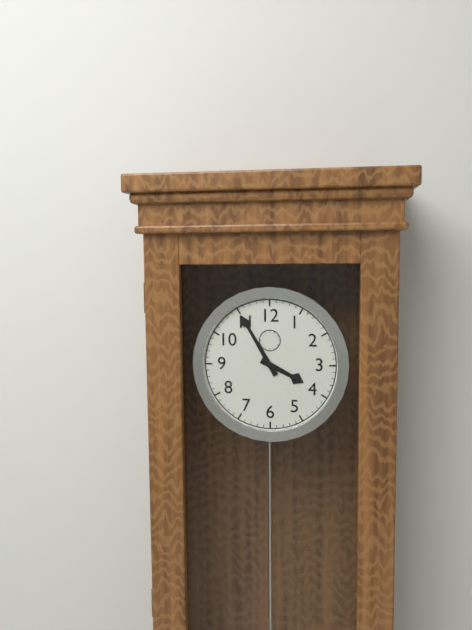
3:55
